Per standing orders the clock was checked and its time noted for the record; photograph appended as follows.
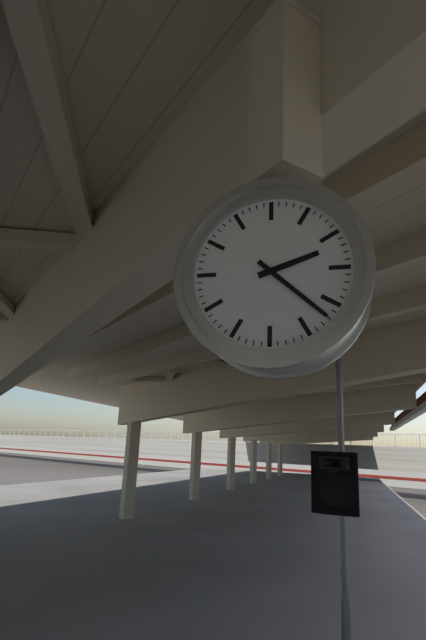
2:22
